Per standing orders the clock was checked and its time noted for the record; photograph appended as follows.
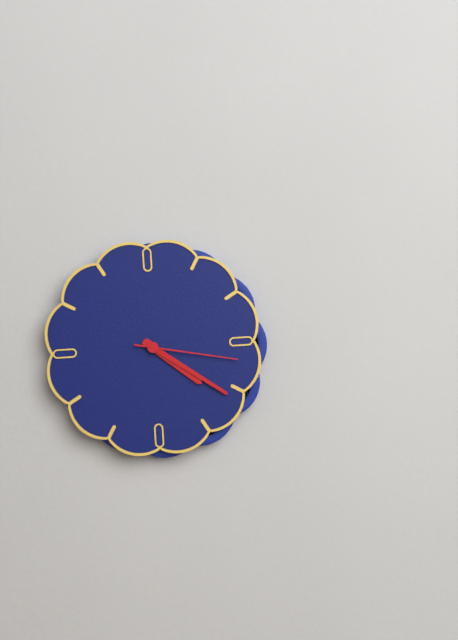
4:21:17
